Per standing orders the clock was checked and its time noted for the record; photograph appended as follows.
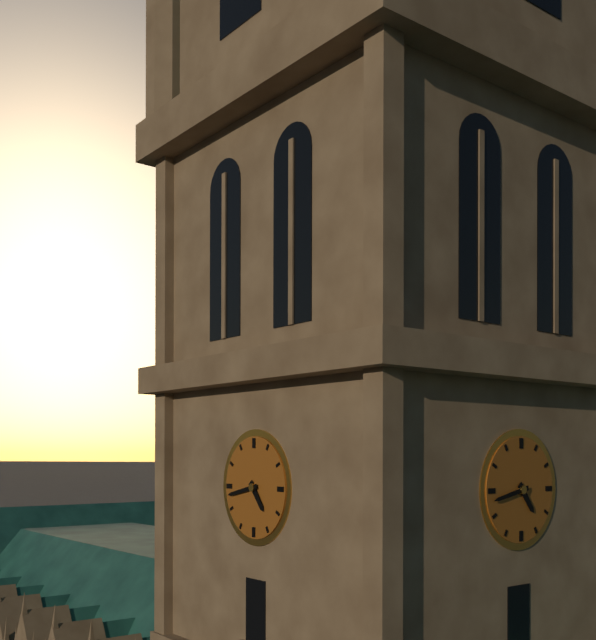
4:43
